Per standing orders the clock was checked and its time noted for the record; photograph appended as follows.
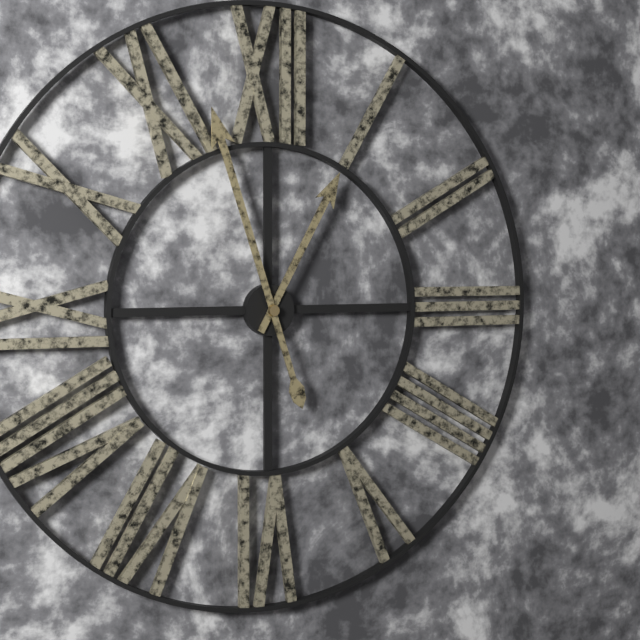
12:57
